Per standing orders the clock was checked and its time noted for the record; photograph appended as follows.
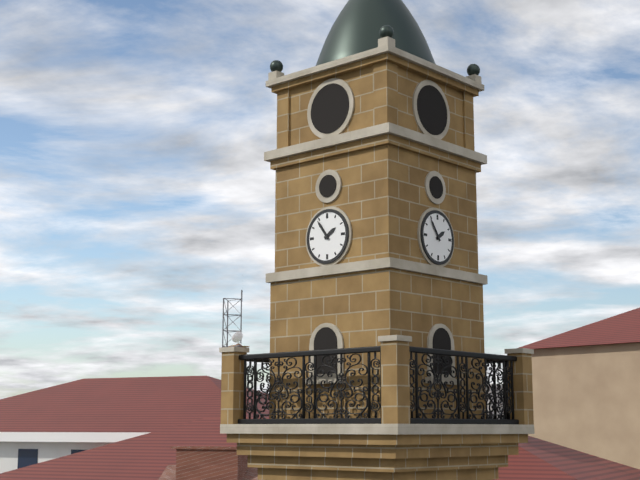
1:54
